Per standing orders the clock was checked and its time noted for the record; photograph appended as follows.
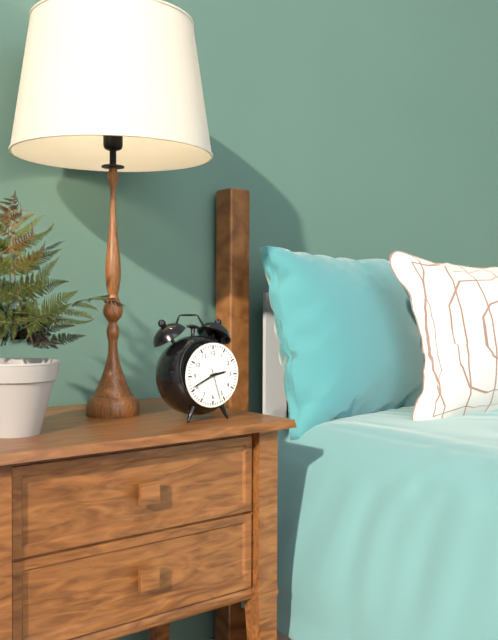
2:41
